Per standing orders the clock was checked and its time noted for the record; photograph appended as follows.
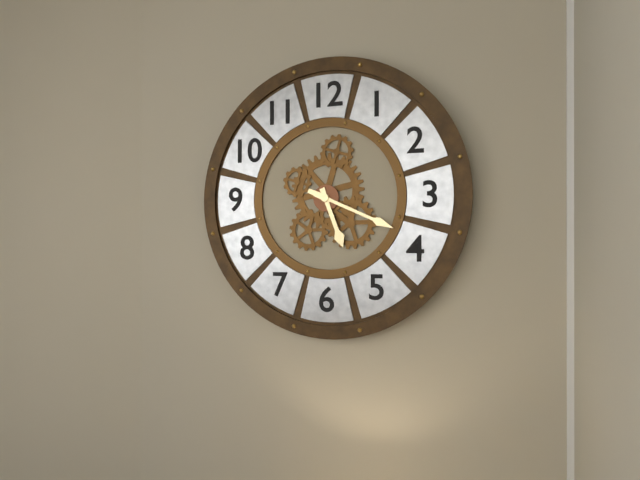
5:19
